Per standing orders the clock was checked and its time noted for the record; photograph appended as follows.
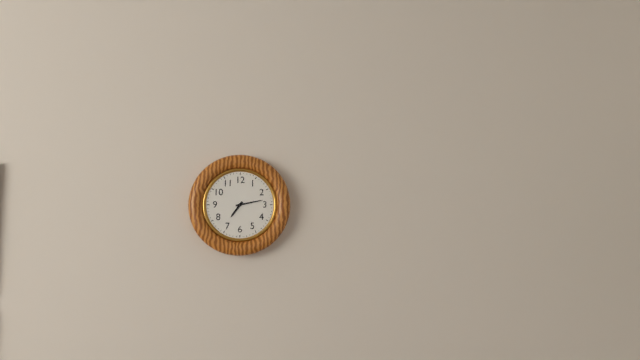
7:13
